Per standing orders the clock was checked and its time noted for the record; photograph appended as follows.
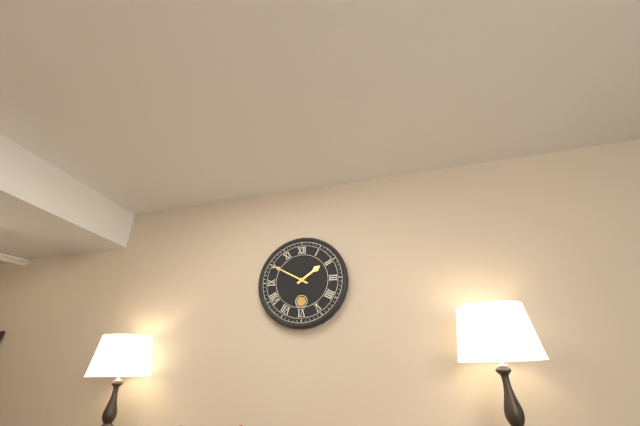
1:50
